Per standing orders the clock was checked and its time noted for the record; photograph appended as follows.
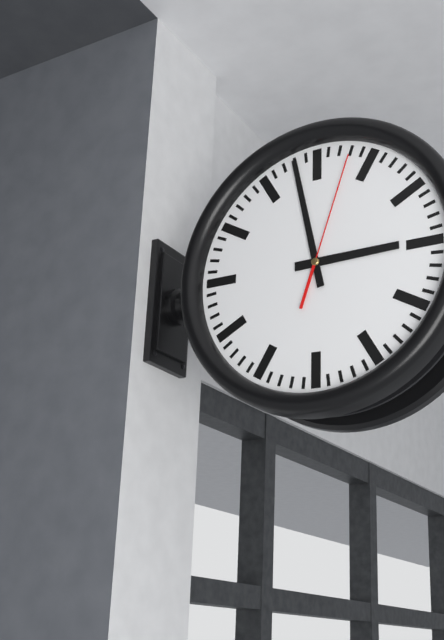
2:58:03
